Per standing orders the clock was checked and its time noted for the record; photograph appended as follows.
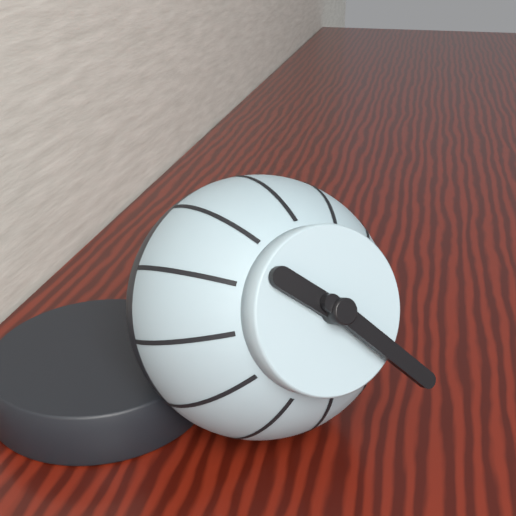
10:23
